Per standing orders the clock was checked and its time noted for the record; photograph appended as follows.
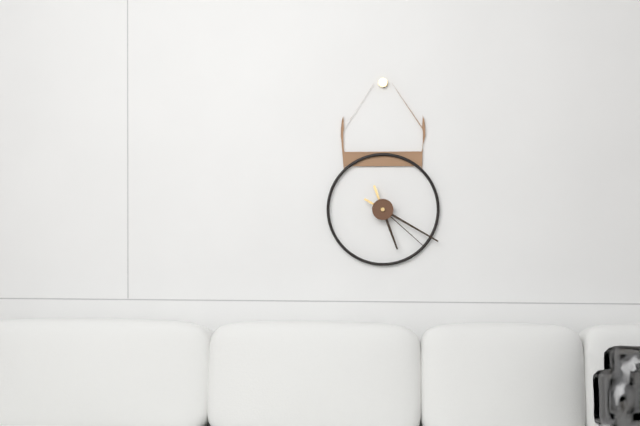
5:20:22
